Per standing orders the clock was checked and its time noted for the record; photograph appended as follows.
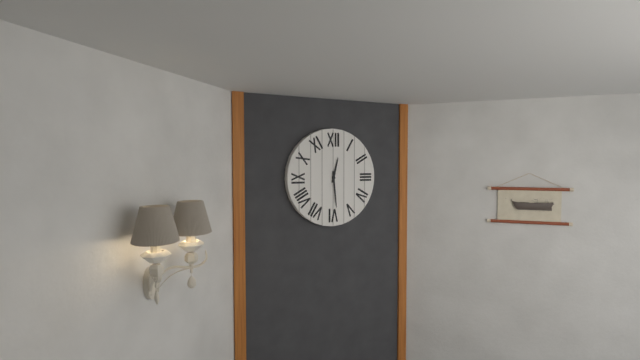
12:29
